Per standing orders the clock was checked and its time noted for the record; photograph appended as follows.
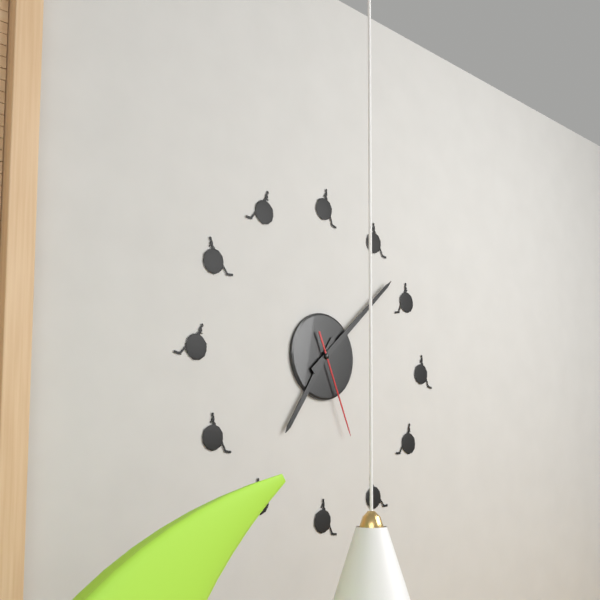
7:08:26
